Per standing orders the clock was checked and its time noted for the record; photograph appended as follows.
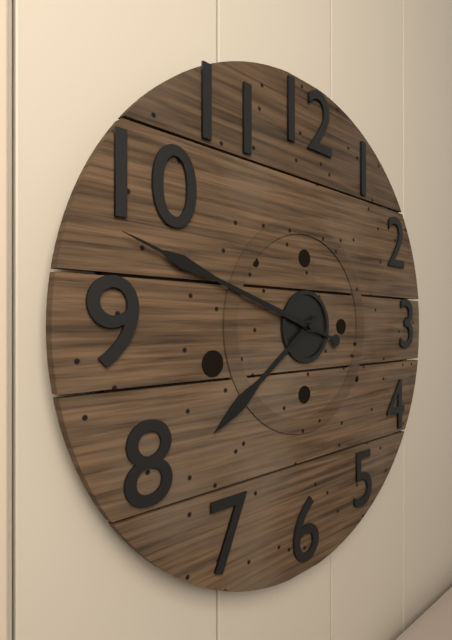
7:48
